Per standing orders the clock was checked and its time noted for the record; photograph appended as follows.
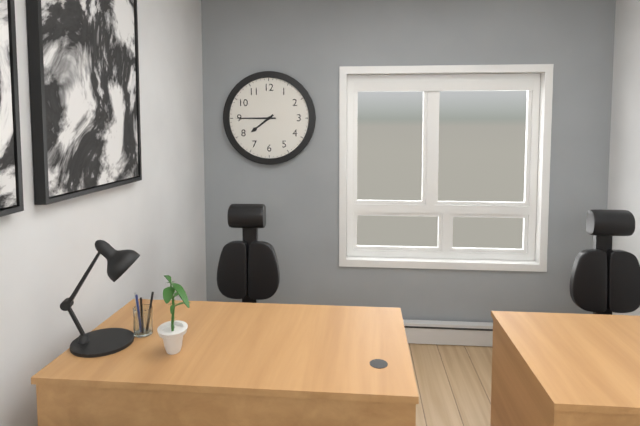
7:45
